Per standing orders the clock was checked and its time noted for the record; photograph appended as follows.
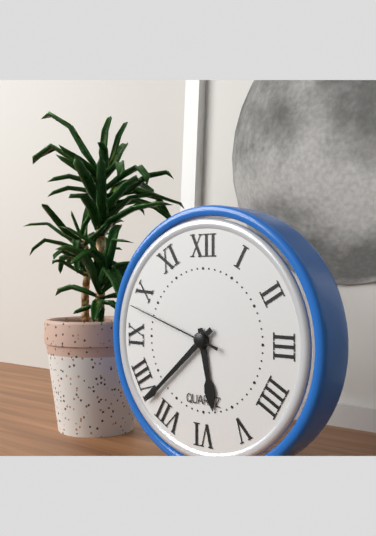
5:38:48
